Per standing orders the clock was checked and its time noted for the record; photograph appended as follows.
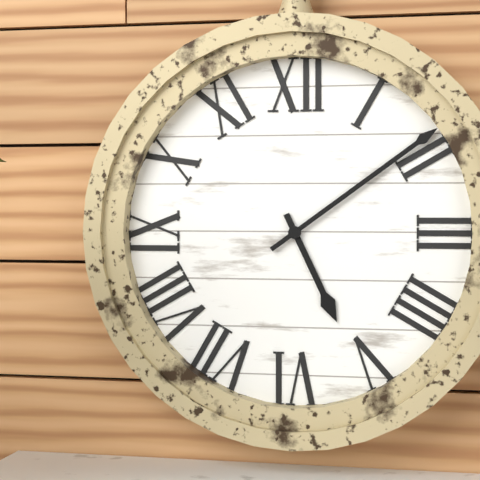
5:09
